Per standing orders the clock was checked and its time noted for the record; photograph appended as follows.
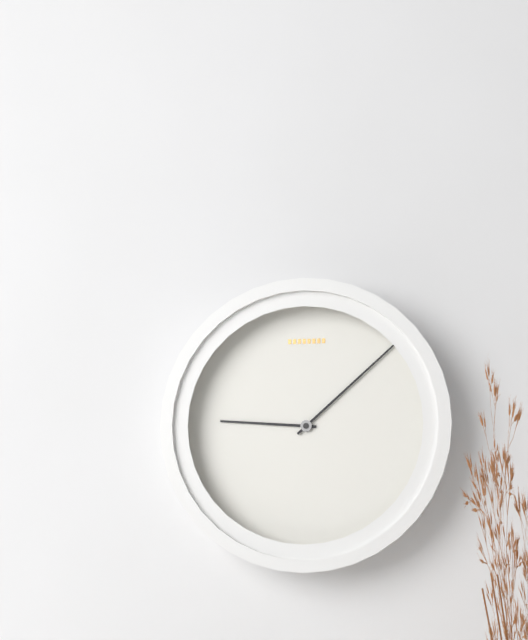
9:08
